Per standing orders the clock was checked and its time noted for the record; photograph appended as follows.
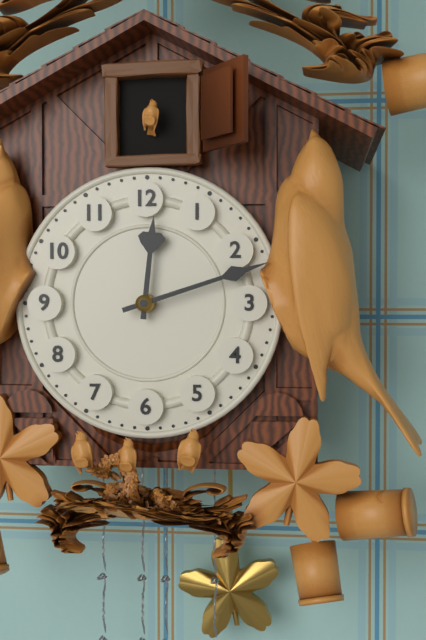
12:12
